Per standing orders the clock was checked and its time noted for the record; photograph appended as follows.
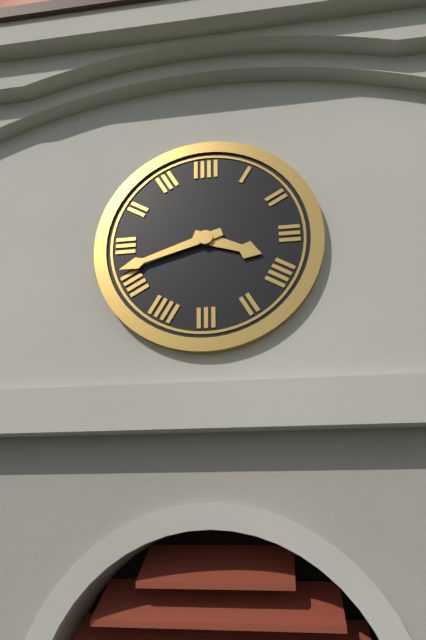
3:42
